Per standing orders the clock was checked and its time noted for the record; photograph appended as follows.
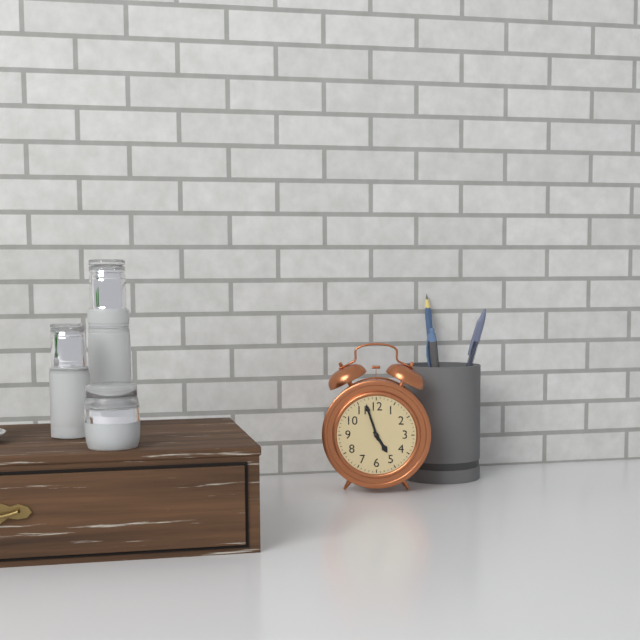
4:57
